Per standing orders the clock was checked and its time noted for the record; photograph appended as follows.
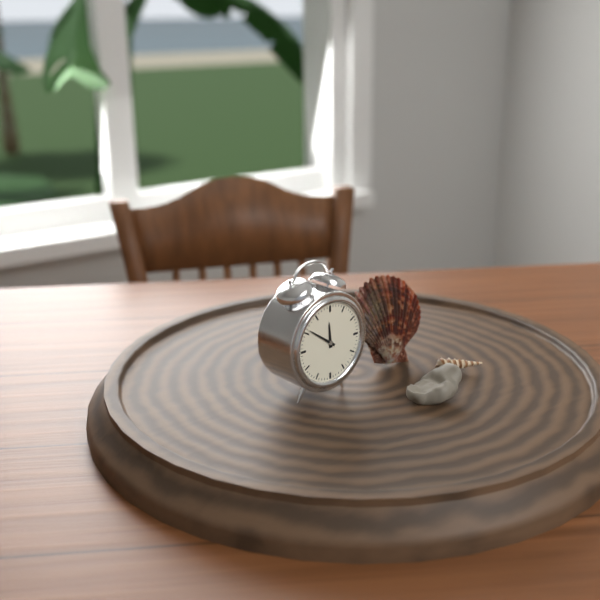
11:51
